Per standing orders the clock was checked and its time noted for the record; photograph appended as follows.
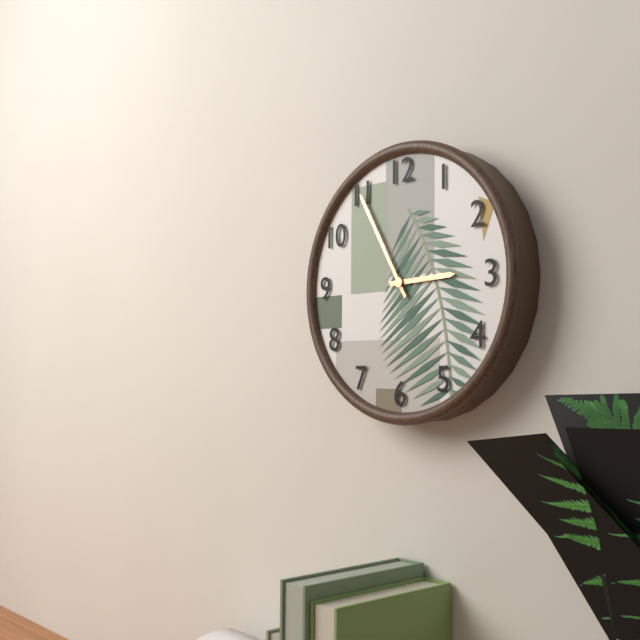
2:55
